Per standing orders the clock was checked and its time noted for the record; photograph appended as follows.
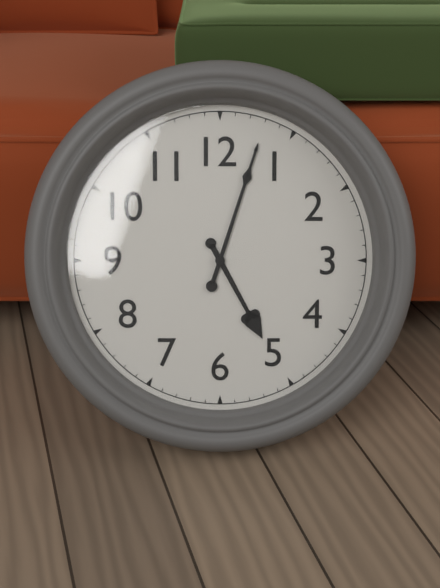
5:03
